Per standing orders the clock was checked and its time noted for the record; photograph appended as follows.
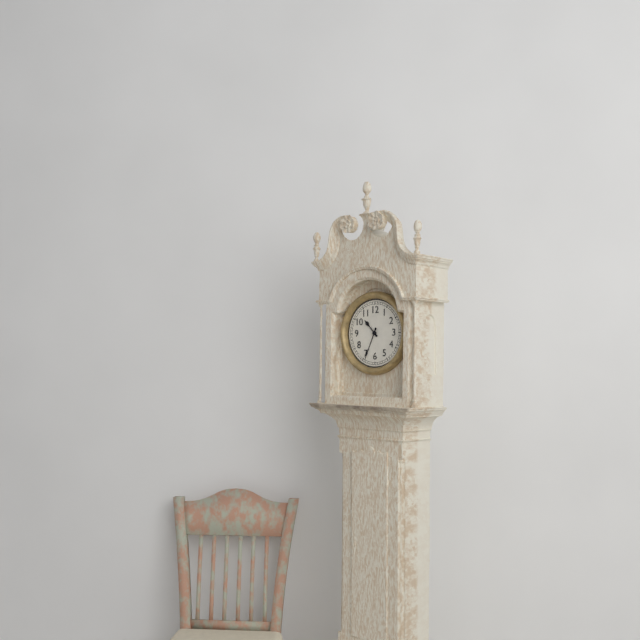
10:34
